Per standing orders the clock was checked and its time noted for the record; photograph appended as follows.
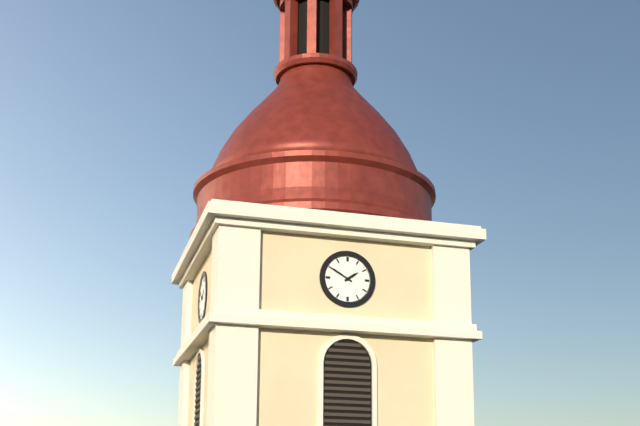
1:50
